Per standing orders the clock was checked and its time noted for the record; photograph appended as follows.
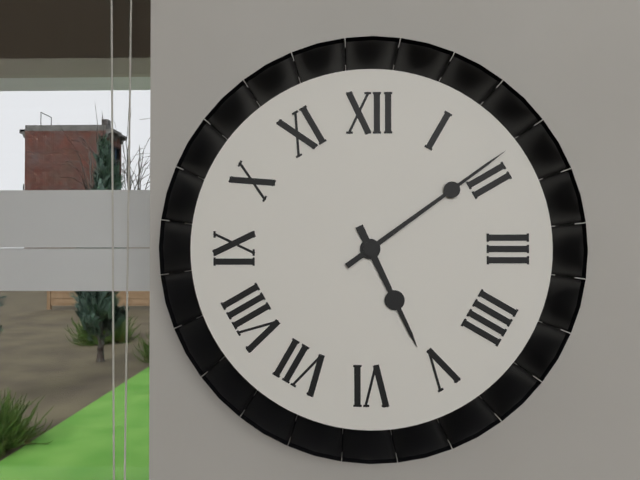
5:09
